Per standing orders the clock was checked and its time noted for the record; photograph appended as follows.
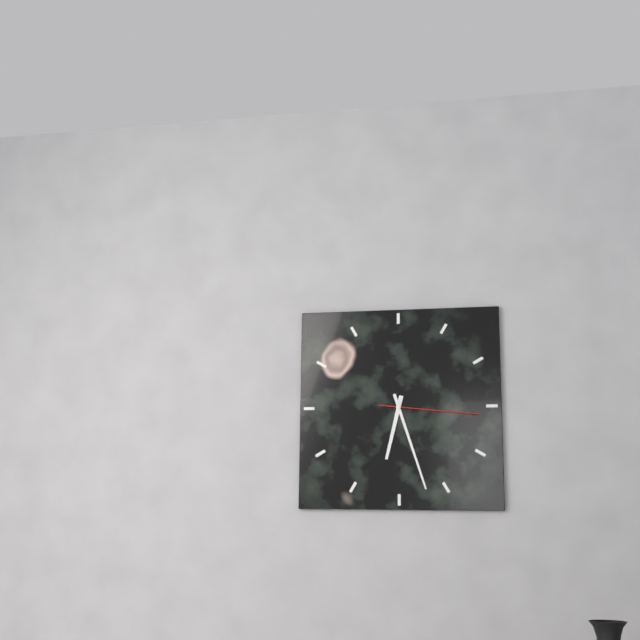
6:27:16
